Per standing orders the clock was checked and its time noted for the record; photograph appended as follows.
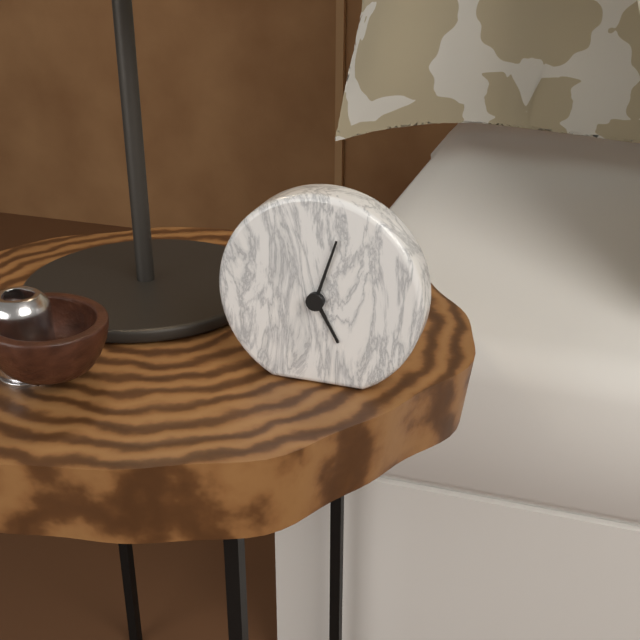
5:03
